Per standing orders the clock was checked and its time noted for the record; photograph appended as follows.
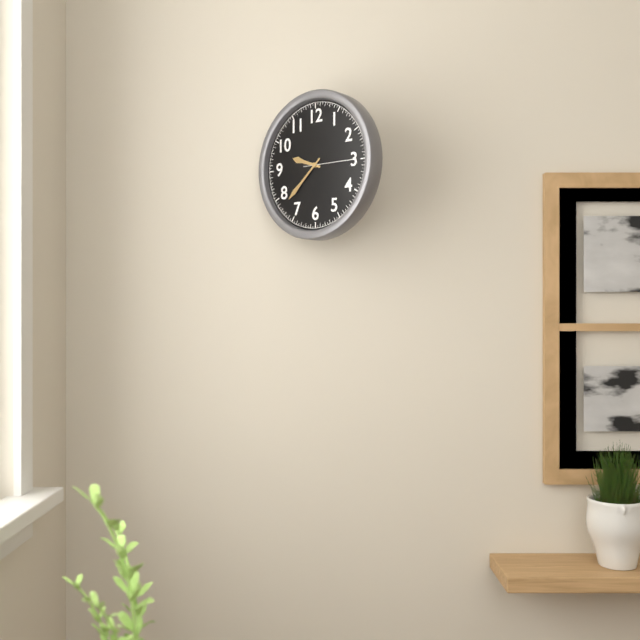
9:38
